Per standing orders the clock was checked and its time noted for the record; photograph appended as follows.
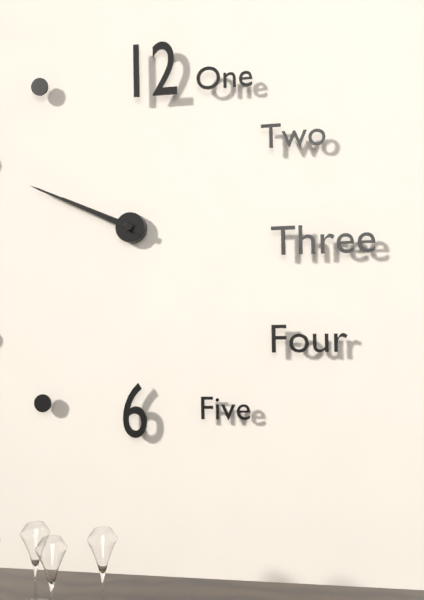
9:49
